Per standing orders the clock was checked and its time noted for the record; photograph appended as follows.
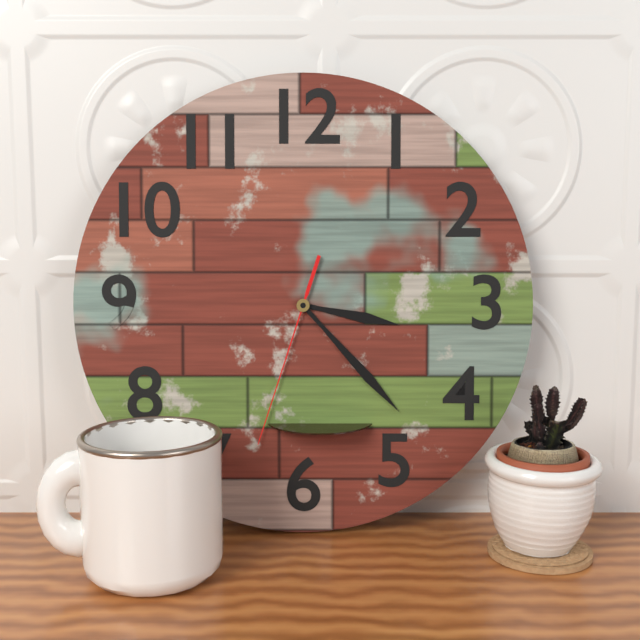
3:23:33
